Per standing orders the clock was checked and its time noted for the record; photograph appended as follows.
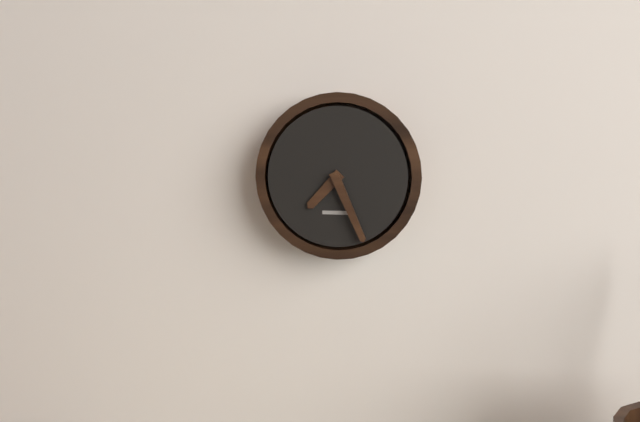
7:26
